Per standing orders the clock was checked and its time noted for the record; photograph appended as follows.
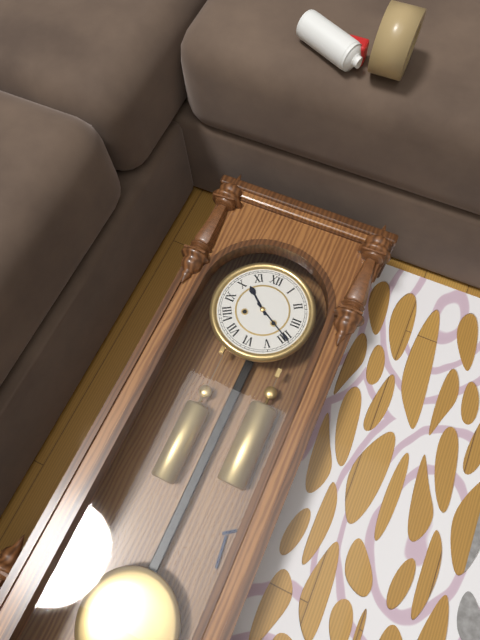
10:20
